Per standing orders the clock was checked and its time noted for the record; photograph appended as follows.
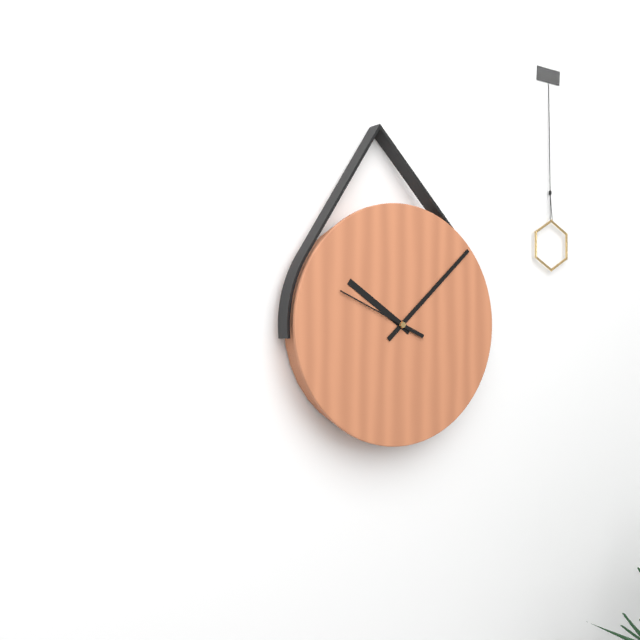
10:08:49
